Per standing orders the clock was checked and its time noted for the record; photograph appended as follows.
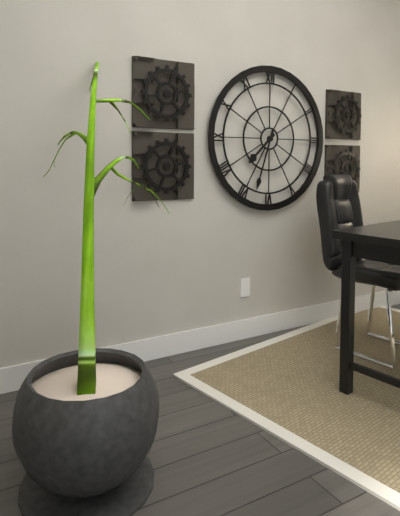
7:33
